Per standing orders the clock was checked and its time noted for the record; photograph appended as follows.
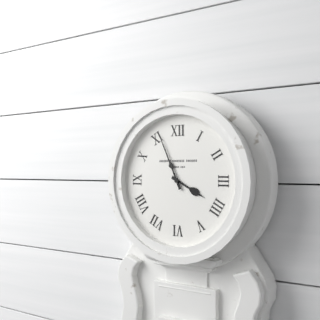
3:56
